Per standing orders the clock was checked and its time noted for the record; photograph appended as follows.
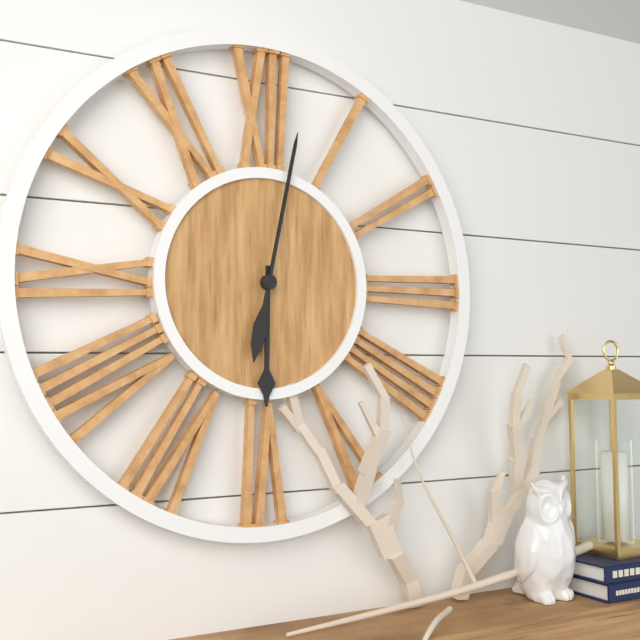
6:02
